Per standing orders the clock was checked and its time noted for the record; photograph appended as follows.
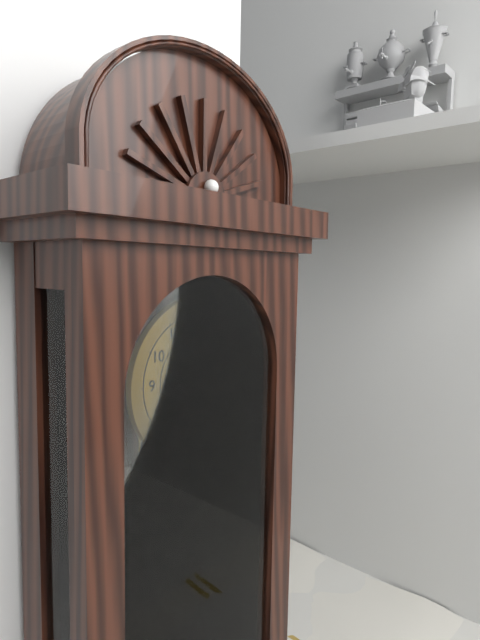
8:55
